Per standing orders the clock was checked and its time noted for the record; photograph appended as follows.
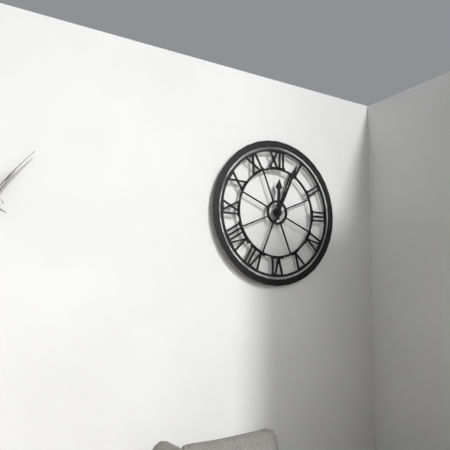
12:04
